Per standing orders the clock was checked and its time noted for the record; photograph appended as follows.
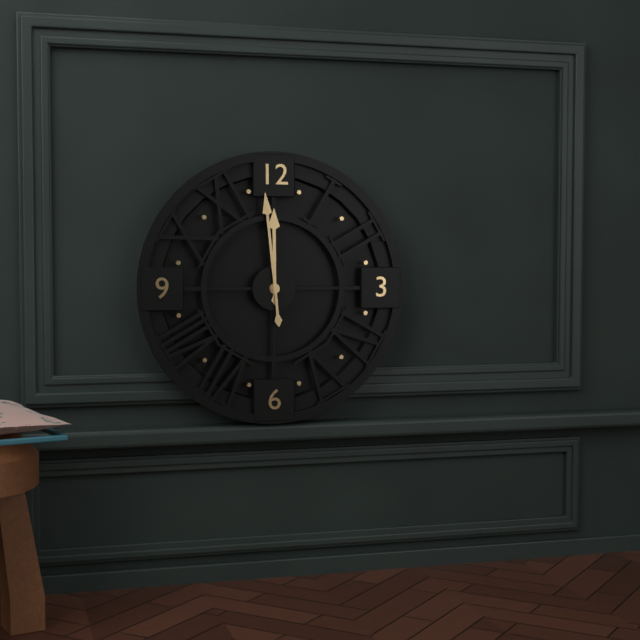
11:59
